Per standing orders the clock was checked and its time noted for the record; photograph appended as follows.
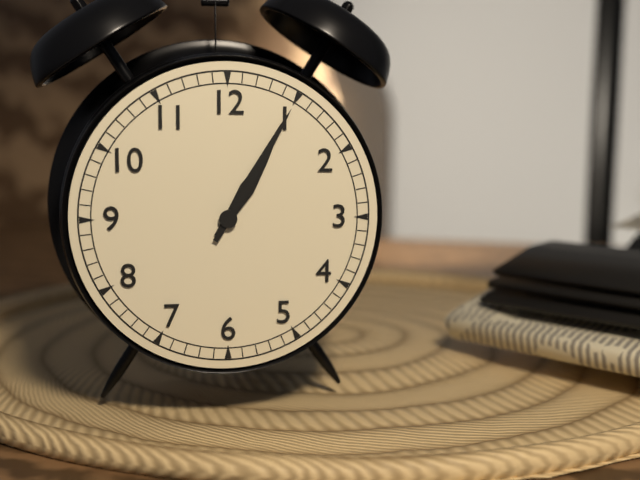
1:05
